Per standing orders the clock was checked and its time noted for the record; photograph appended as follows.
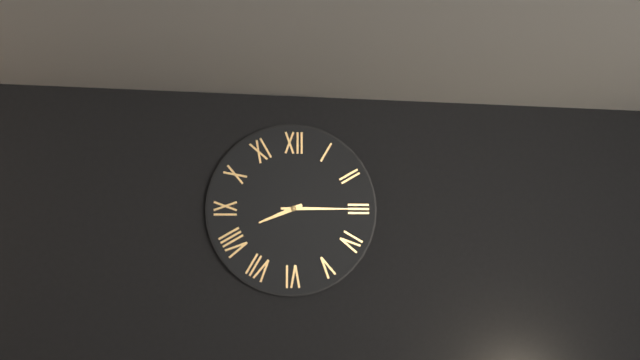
8:15
